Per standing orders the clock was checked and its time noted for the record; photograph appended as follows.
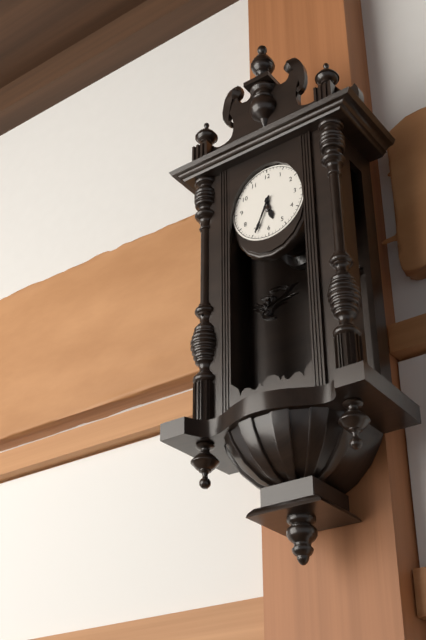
5:34
